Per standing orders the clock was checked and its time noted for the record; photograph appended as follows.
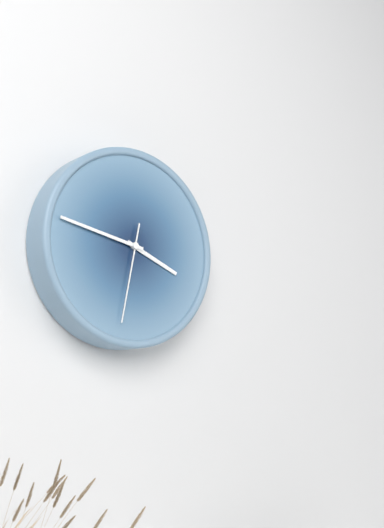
3:47:32
